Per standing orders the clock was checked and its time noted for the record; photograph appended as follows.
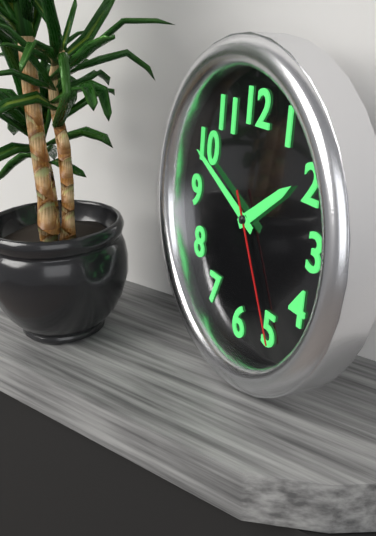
1:49:25
